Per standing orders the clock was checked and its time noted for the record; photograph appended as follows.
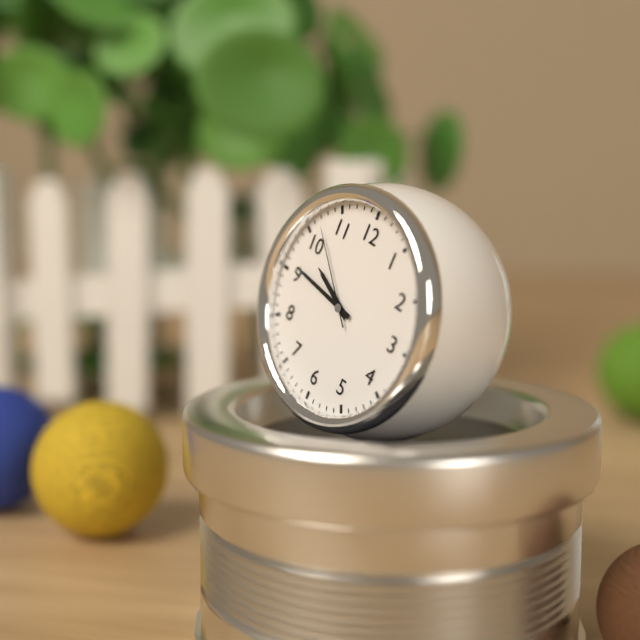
9:46:52
